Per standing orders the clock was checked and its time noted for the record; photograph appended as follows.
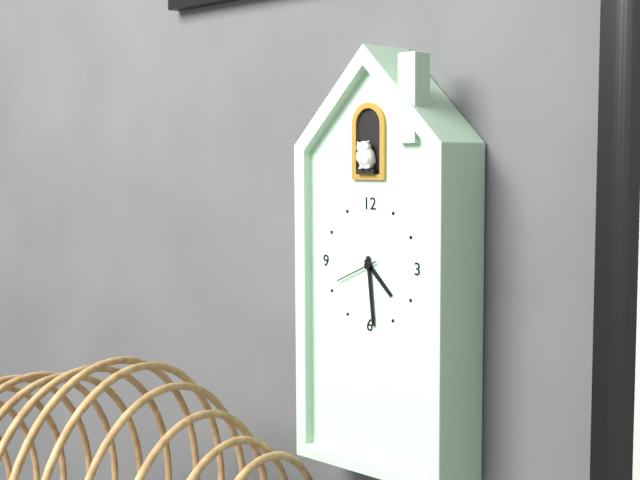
4:29
